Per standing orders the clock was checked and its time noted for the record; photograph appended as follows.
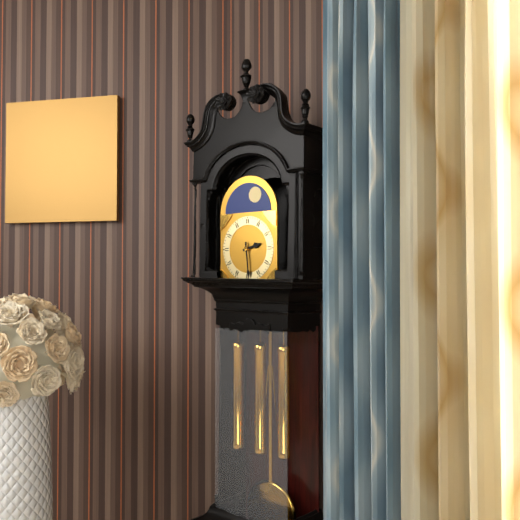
2:29
